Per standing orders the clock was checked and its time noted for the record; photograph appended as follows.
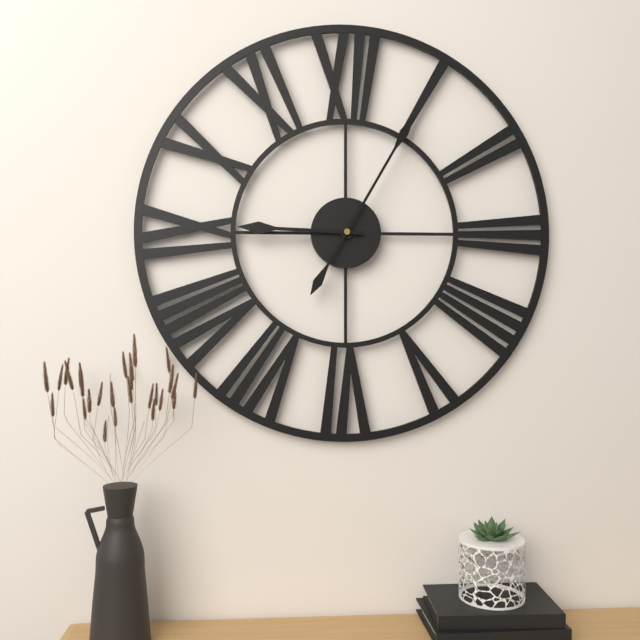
9:05
